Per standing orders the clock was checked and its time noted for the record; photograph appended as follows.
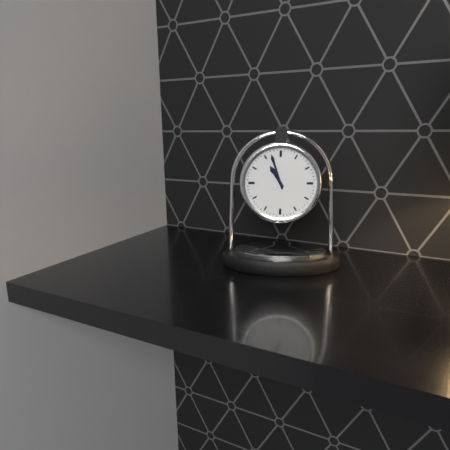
10:57
